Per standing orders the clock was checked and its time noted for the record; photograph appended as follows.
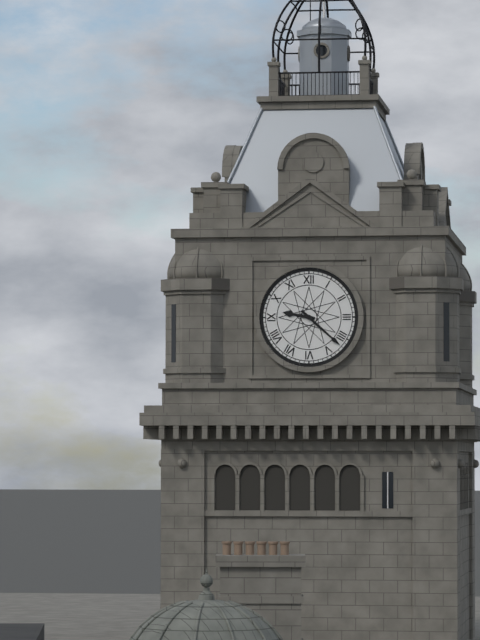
9:22
